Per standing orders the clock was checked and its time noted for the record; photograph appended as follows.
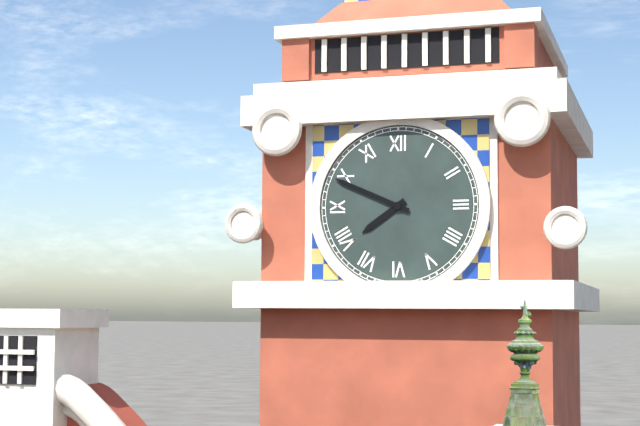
7:49
